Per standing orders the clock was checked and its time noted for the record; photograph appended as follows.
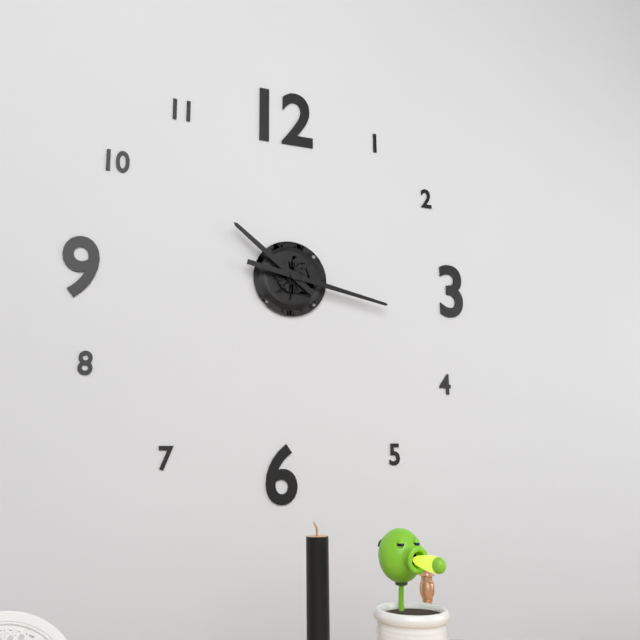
10:17
